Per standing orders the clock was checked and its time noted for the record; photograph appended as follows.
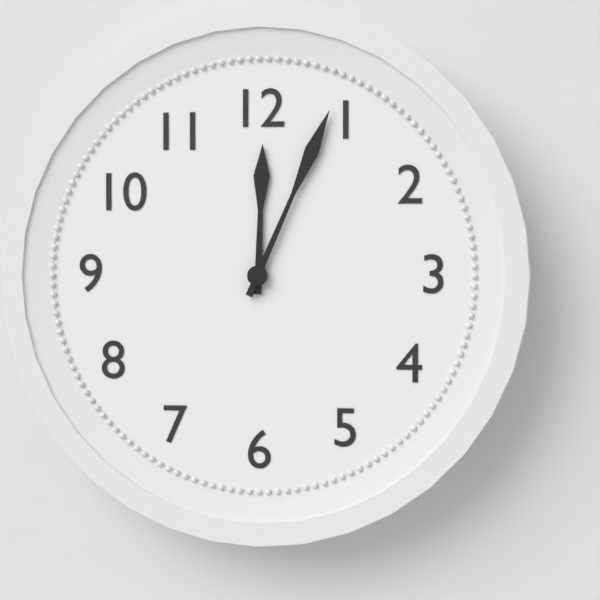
12:04
